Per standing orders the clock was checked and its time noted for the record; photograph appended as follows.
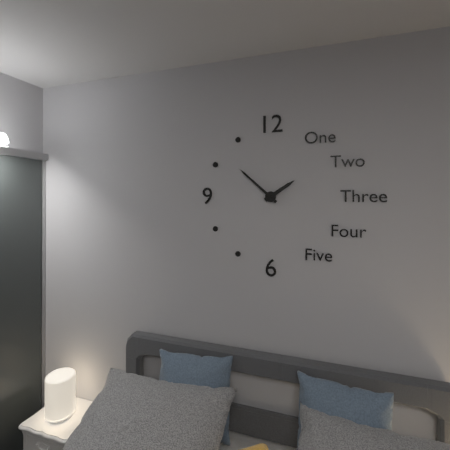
1:52
